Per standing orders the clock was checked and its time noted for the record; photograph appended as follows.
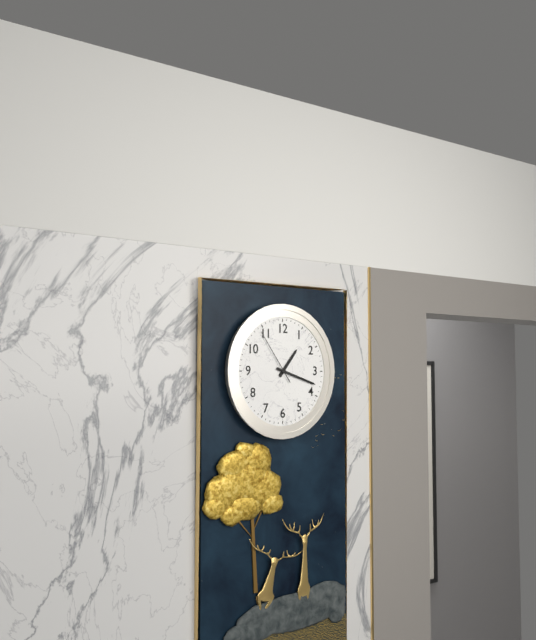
1:18:54
